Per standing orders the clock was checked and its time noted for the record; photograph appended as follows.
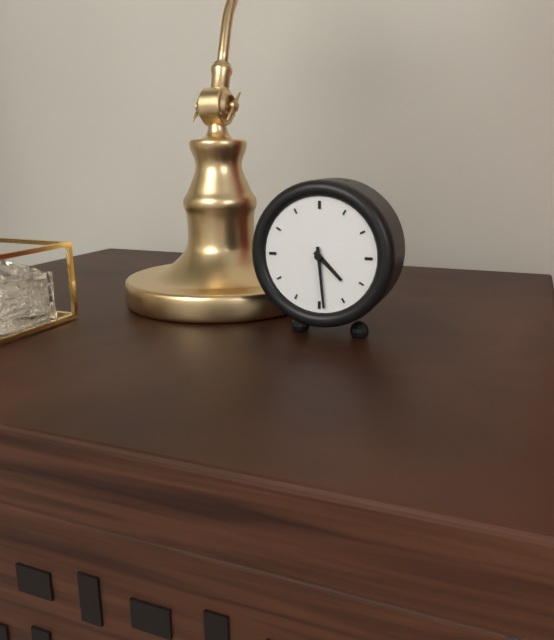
4:29
